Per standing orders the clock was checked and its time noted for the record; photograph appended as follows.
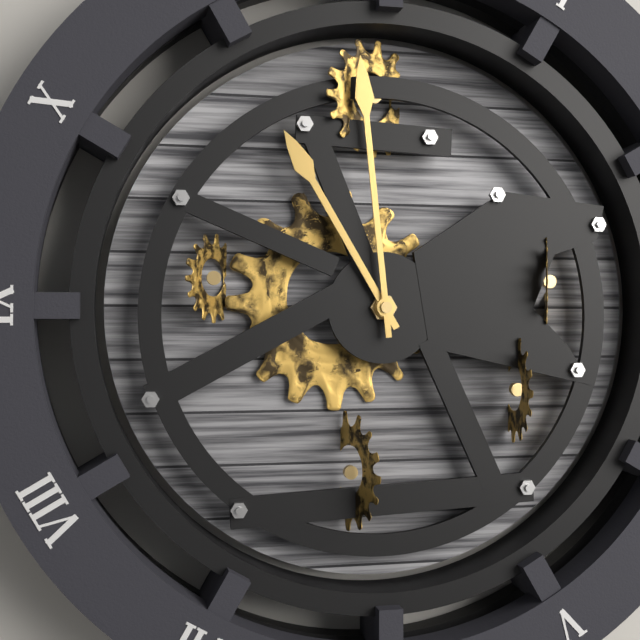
10:59
